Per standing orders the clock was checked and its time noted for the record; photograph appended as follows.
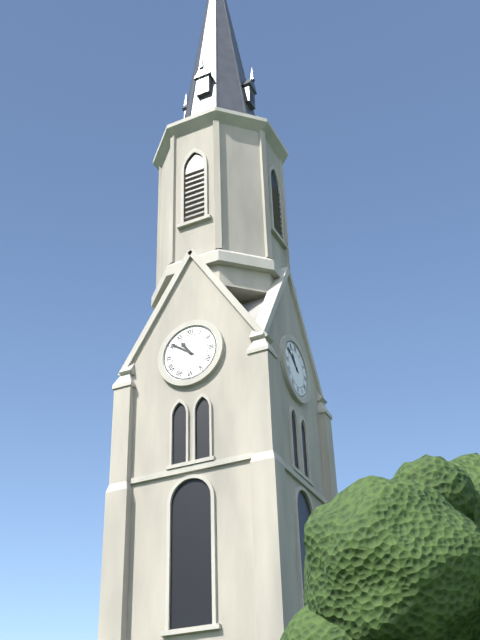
10:51
